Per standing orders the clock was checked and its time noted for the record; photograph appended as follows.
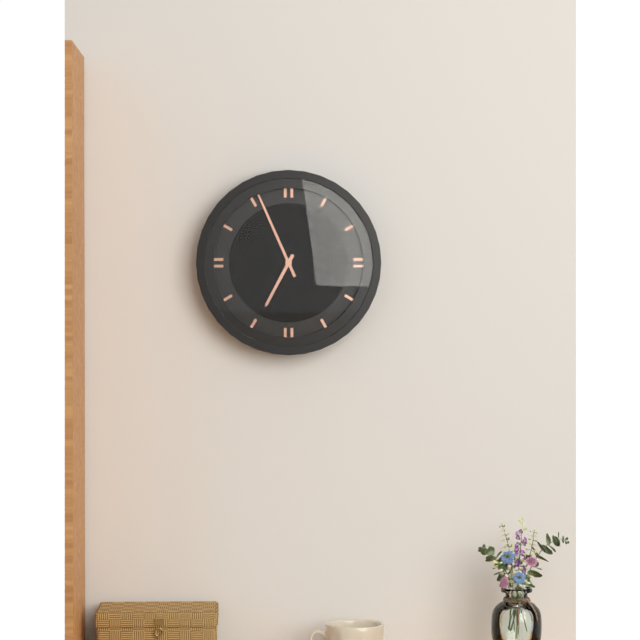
6:56
